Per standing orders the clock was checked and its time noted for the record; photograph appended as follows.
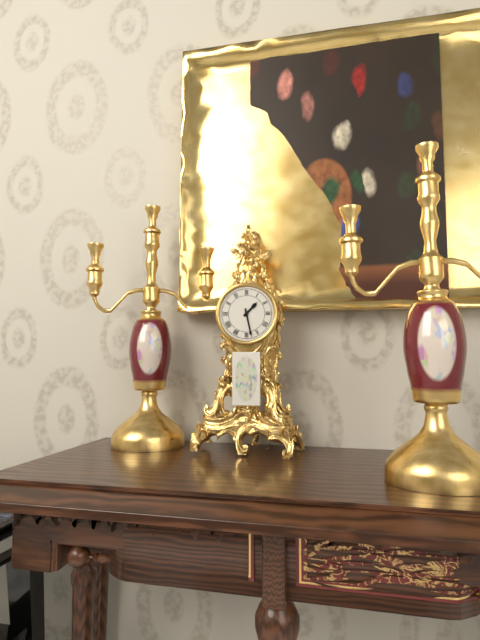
1:28
